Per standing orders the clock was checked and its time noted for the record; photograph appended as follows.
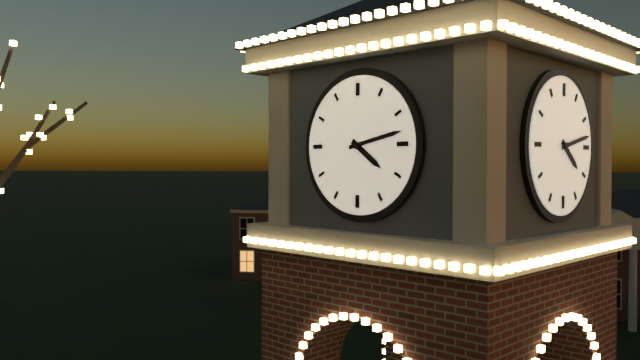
4:13
